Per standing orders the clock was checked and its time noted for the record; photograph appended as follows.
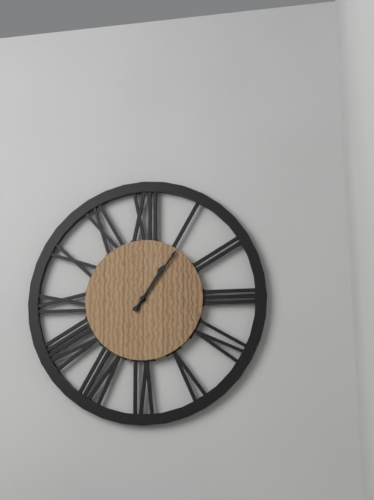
1:06
